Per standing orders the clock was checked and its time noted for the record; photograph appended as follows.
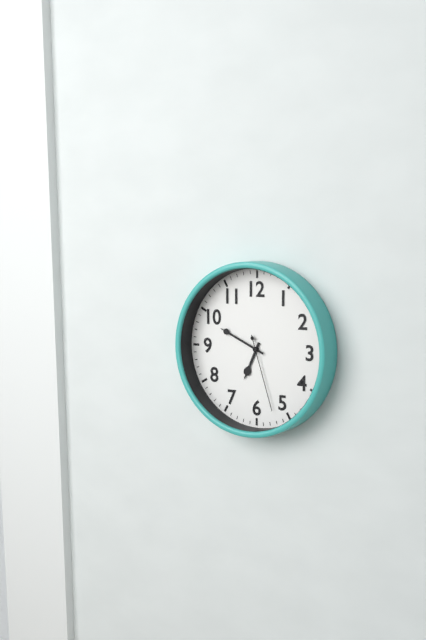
6:49:27
